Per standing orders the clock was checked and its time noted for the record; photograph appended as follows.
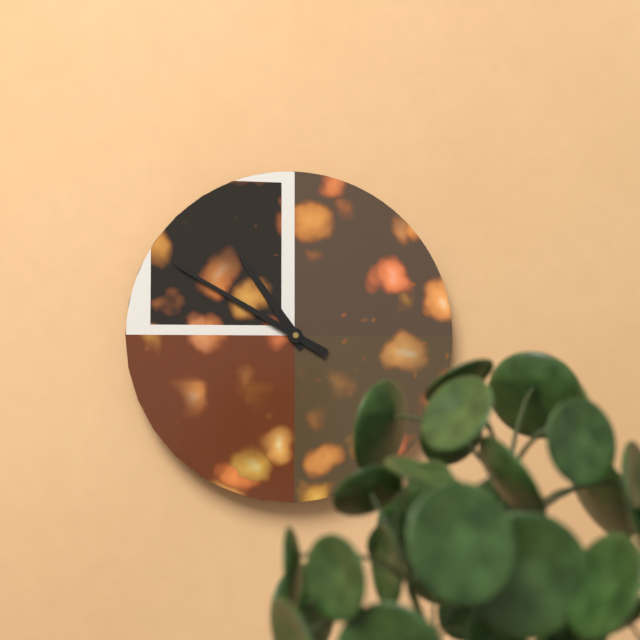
10:50
